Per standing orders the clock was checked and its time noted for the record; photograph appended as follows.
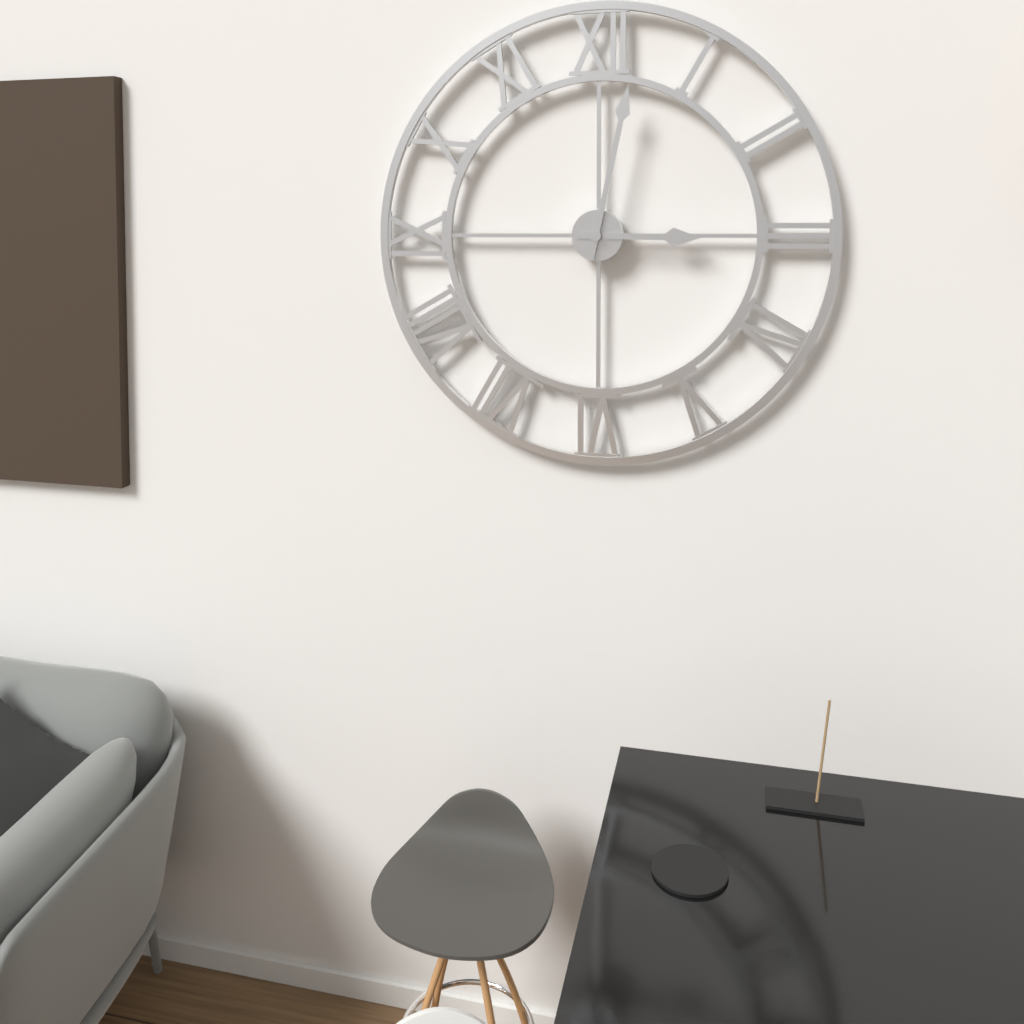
3:02
